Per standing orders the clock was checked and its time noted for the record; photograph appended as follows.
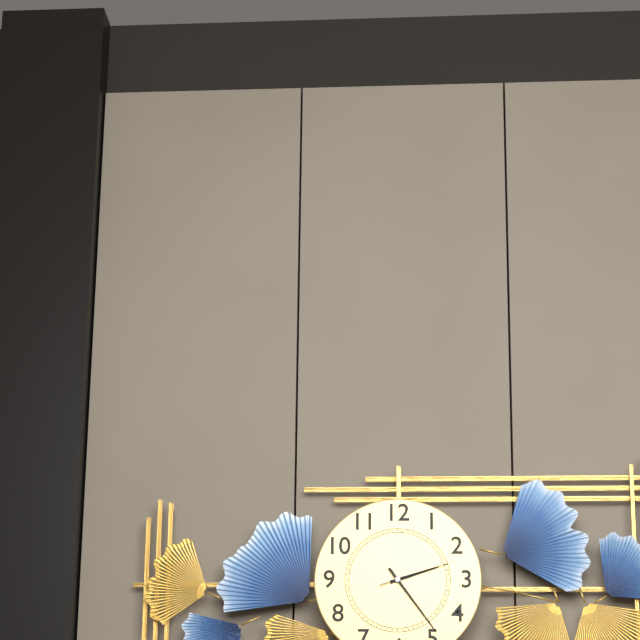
2:24:12
